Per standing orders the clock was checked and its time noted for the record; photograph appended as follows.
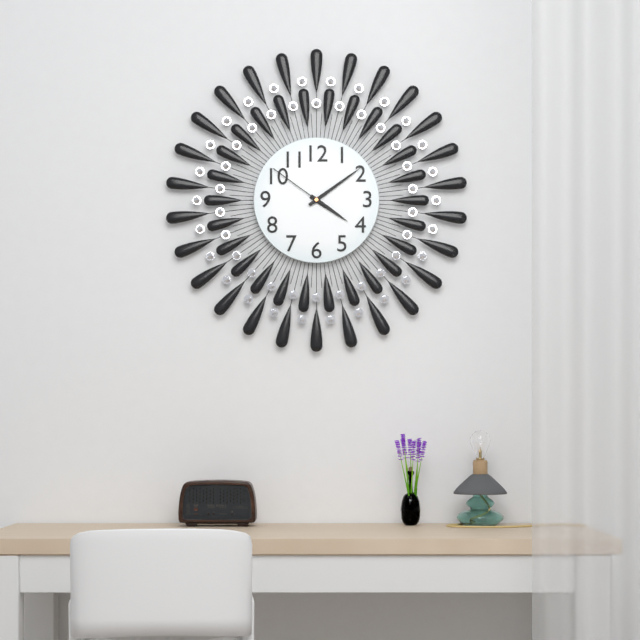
4:09:51
